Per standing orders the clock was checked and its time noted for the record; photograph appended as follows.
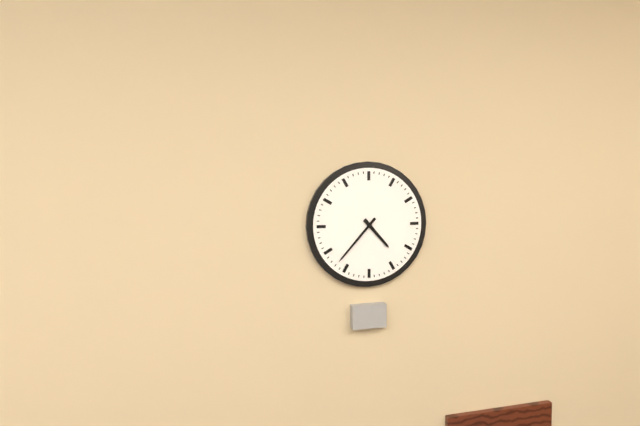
4:37
